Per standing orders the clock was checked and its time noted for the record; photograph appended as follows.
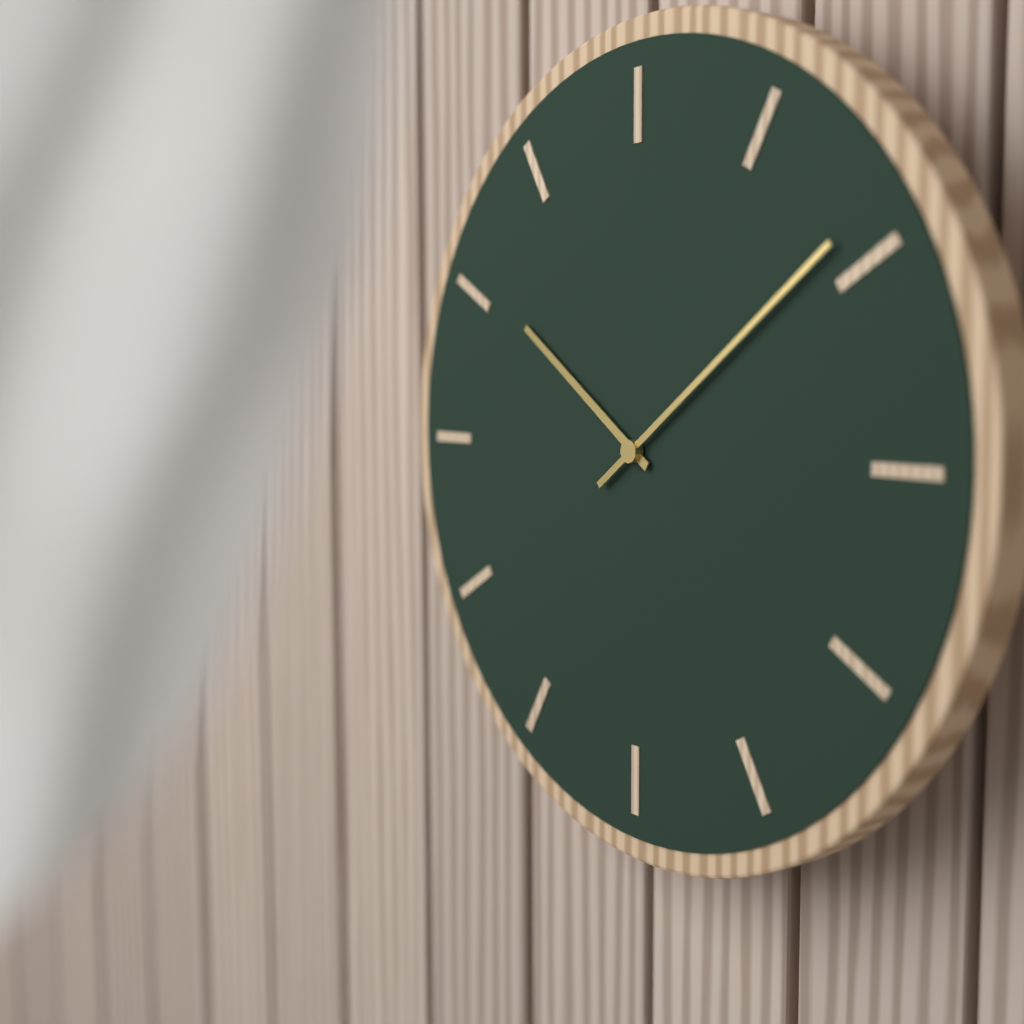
10:09
